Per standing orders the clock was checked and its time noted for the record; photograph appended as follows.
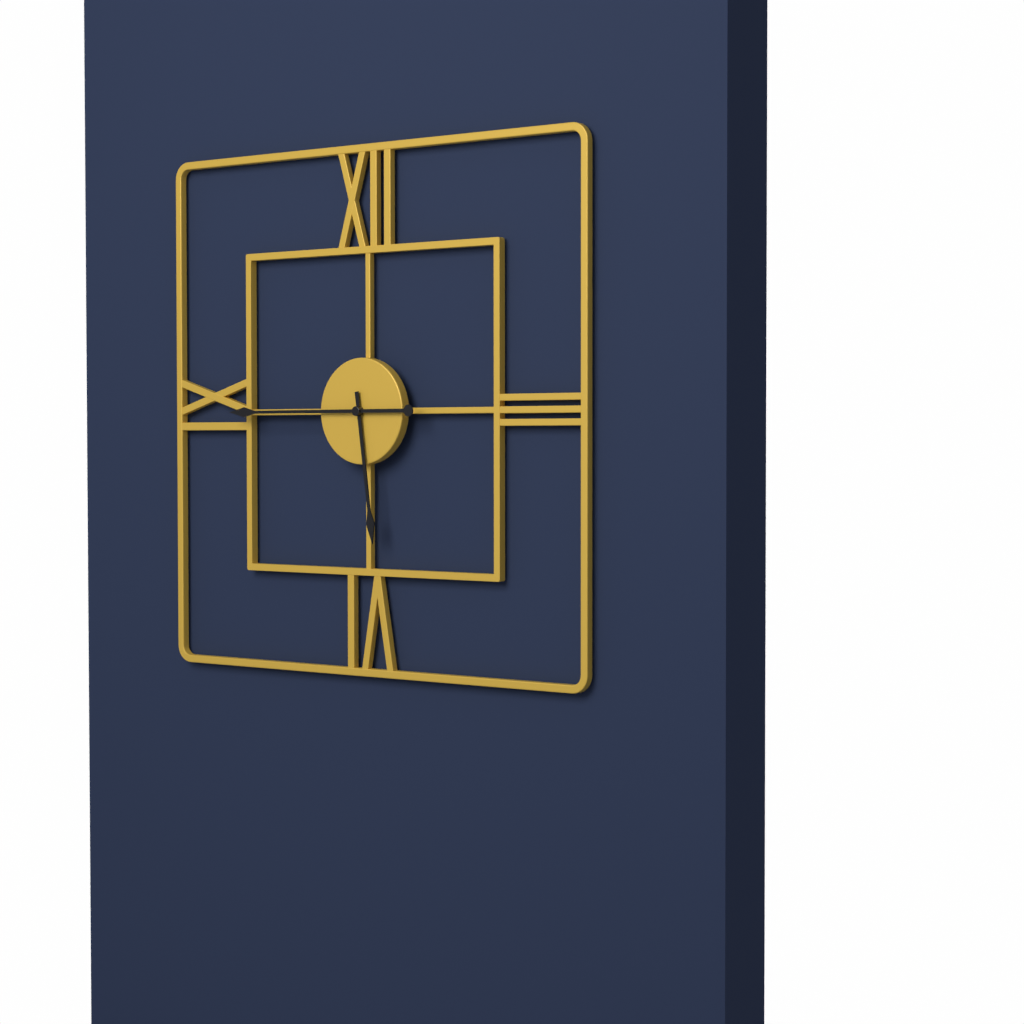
5:45
